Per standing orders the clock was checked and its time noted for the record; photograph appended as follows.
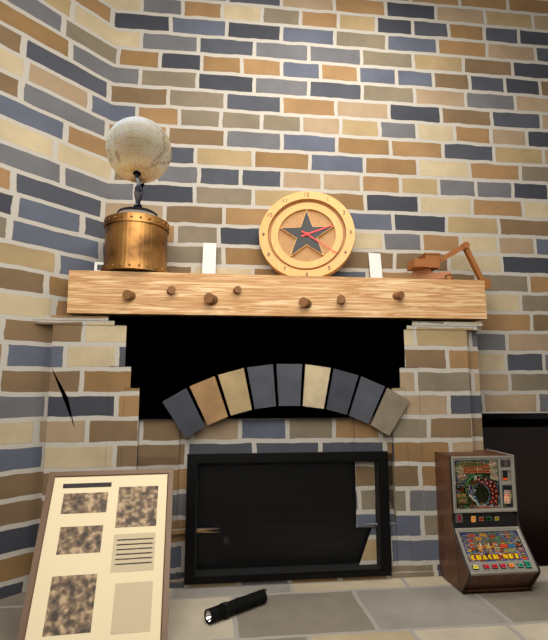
2:21
